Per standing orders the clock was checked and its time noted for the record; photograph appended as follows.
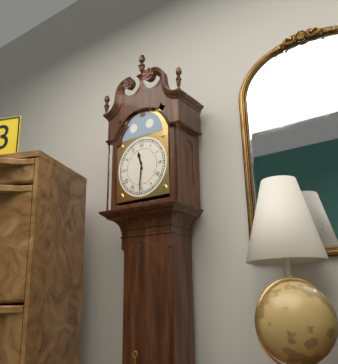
11:31
